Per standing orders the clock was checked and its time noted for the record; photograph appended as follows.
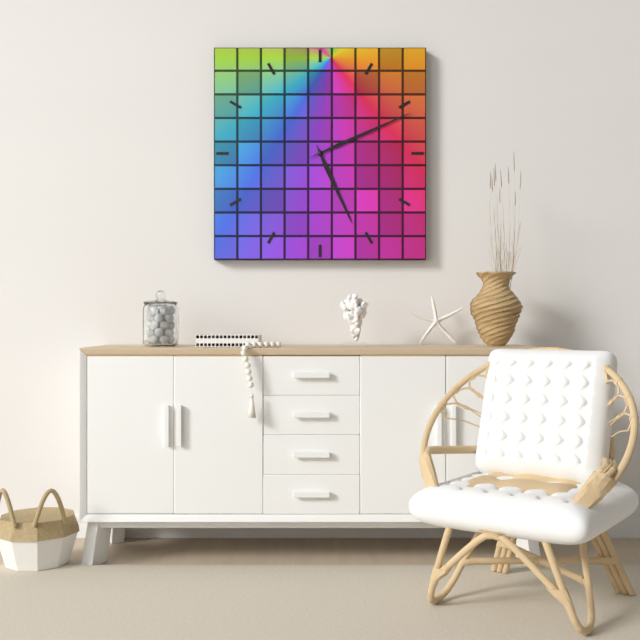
5:11
